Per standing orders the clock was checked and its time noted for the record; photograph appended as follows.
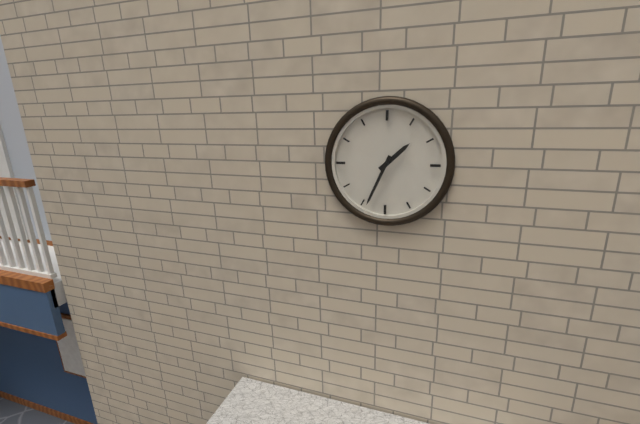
1:34
